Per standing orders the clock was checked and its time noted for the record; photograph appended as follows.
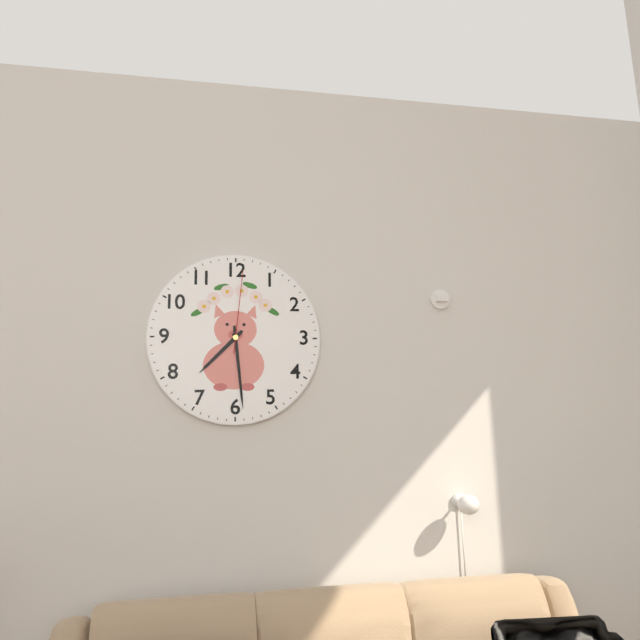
7:29:01
